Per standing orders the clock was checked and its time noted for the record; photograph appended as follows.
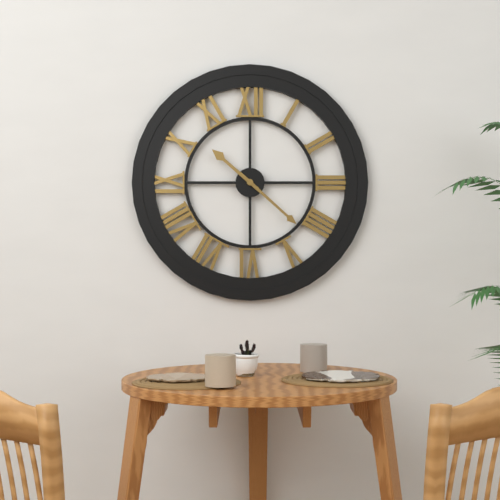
10:22
